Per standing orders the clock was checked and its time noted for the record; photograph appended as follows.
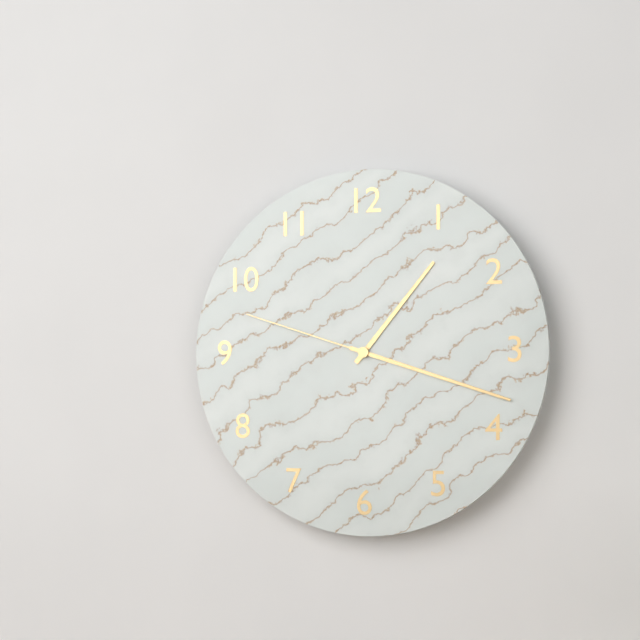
1:18:48
